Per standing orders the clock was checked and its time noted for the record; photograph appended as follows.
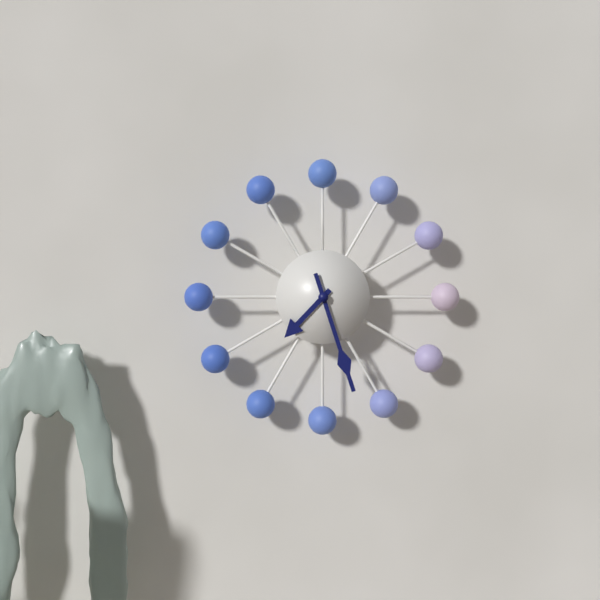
7:27
